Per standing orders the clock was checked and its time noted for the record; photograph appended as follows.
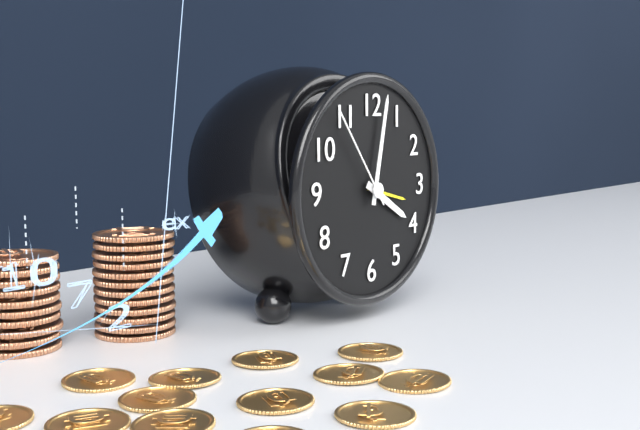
4:02:54
